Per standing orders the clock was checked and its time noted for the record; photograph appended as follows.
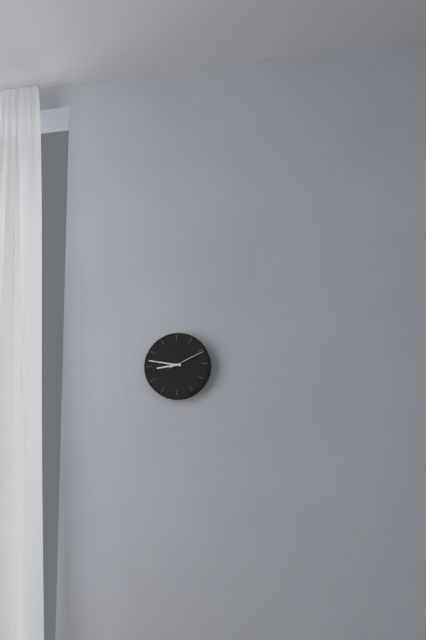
8:47
